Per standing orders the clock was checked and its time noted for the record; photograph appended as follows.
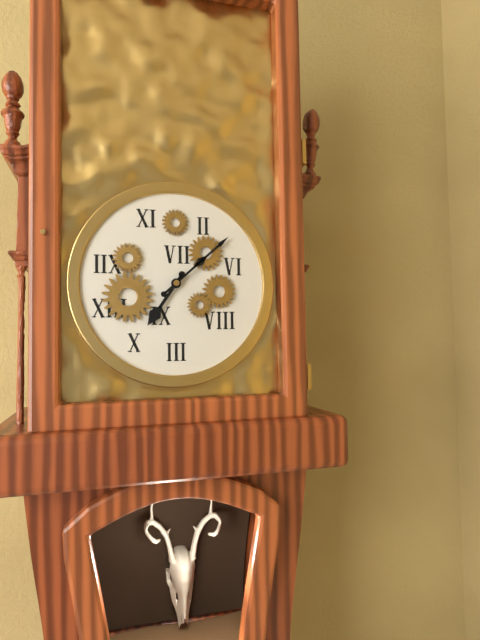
7:08
